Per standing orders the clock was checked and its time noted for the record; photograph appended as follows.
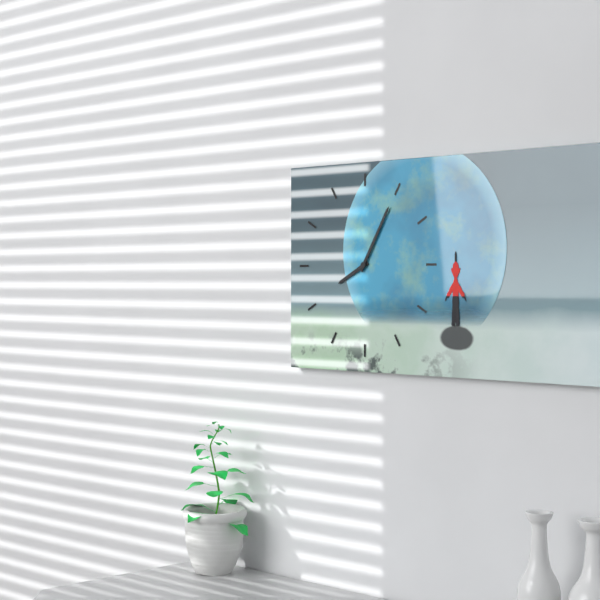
8:05
